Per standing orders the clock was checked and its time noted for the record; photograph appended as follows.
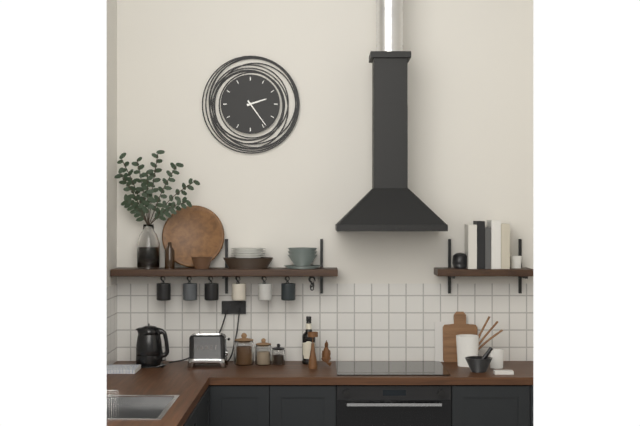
2:24
